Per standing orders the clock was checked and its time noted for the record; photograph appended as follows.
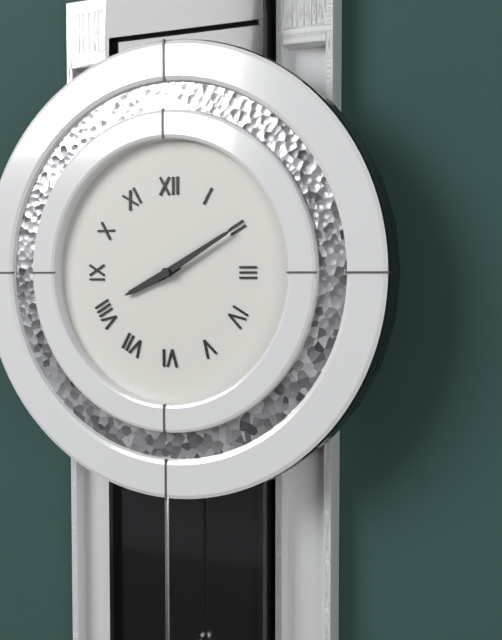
8:10
